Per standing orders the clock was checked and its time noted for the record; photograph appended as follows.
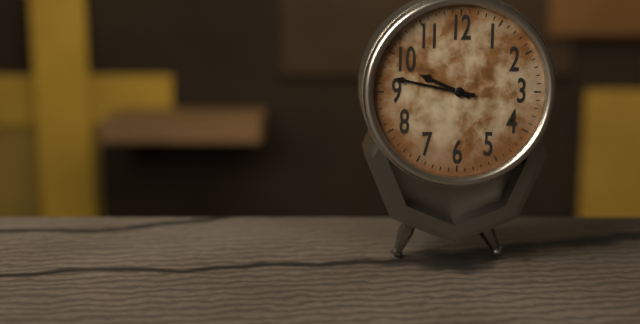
9:47
